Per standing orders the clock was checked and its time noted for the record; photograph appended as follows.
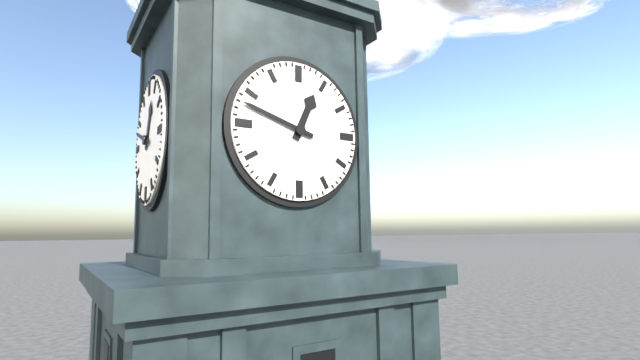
12:48
